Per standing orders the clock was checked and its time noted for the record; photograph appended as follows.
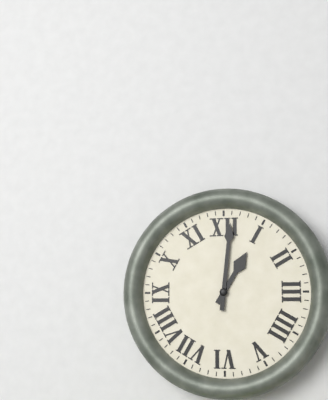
1:01
